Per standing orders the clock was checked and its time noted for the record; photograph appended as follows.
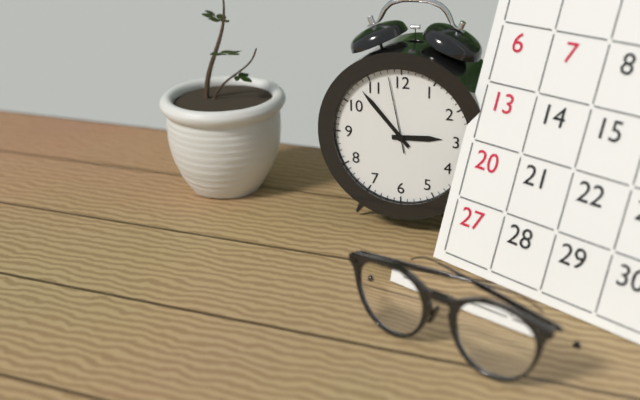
2:53:58
